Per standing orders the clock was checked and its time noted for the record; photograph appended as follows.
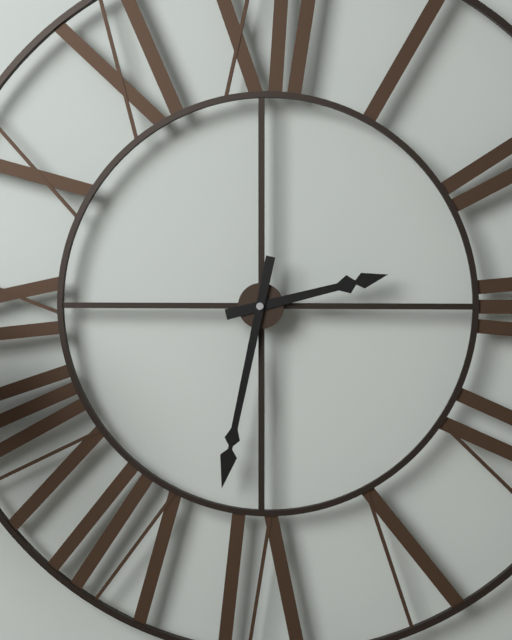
2:32
